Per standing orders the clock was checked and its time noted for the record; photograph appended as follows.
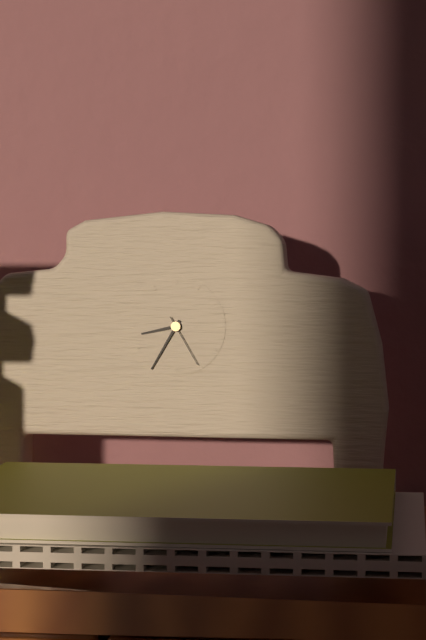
8:35:25
